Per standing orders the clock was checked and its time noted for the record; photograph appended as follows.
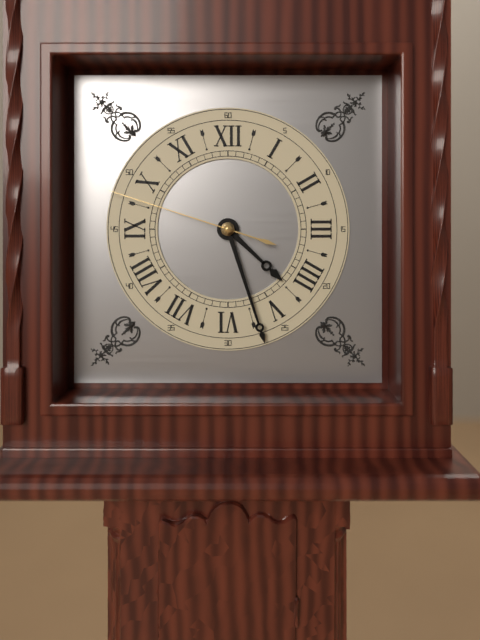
4:27:48
